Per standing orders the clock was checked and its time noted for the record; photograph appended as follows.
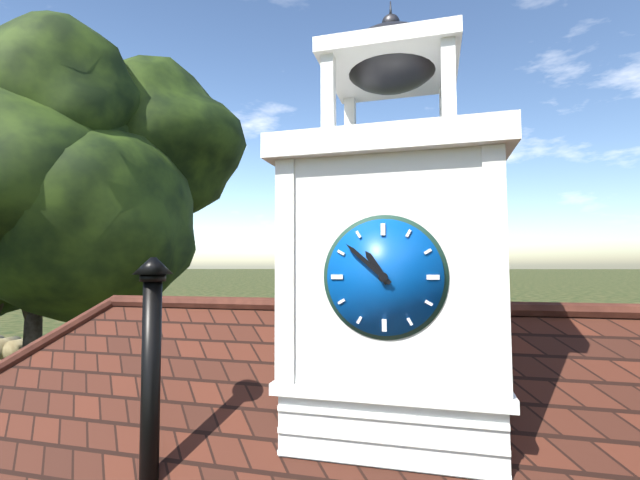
10:52
